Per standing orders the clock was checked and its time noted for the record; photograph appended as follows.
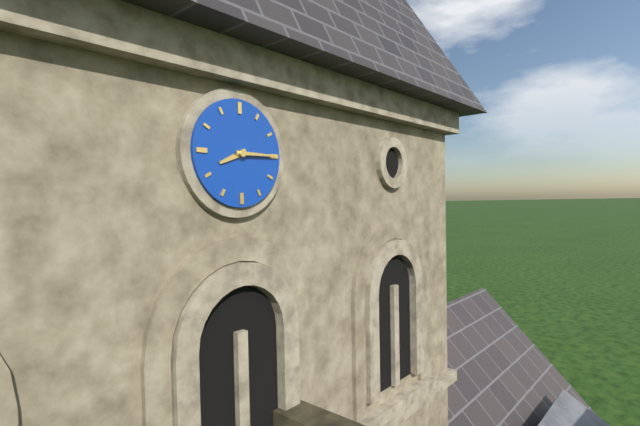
8:15
